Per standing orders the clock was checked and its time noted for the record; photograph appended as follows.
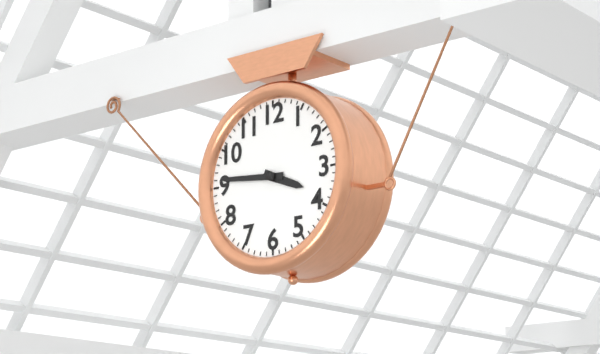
3:46
